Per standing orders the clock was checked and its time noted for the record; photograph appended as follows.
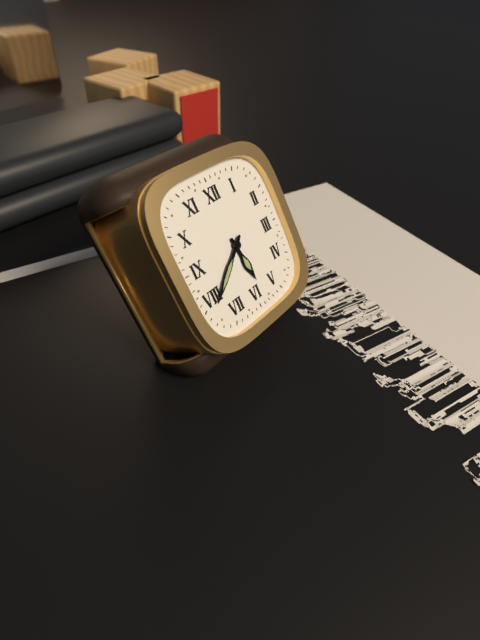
5:39
